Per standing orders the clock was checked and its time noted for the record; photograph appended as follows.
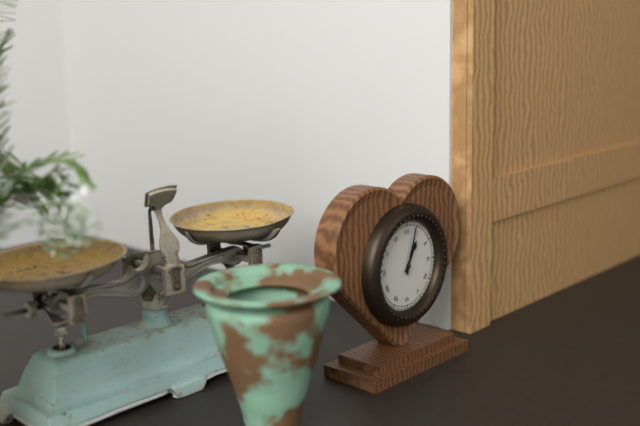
1:03
